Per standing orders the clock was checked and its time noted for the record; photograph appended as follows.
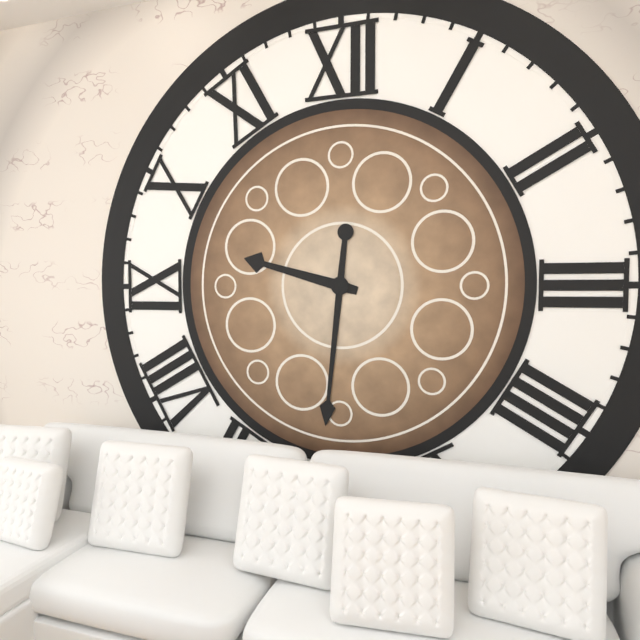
9:31
